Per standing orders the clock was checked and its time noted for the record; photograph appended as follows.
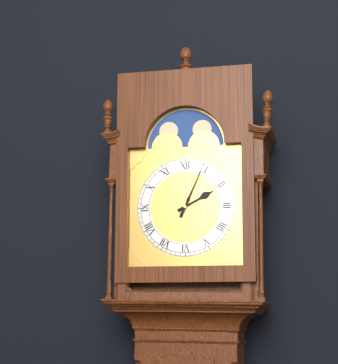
2:04
